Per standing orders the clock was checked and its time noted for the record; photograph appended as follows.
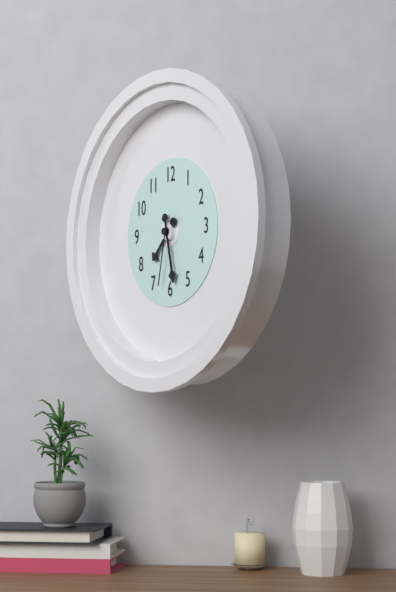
7:28:32
